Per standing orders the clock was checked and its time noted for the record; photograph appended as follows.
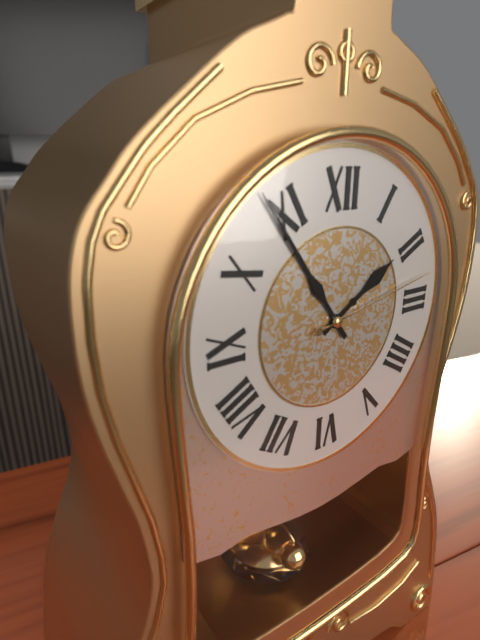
1:54:13
